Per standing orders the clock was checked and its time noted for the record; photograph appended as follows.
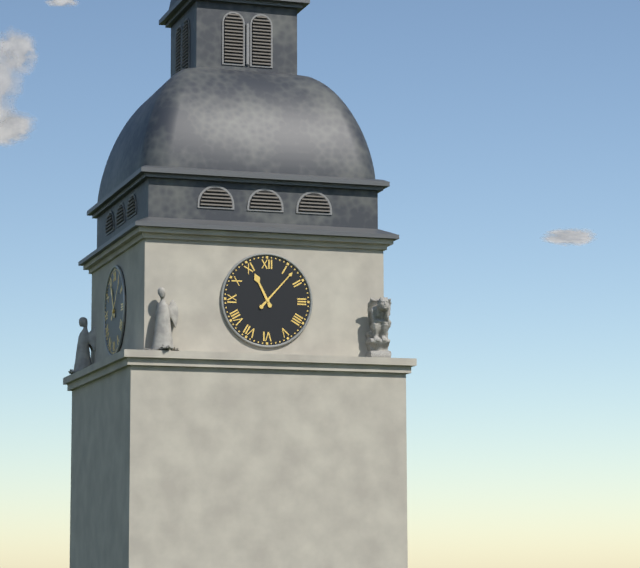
11:07
